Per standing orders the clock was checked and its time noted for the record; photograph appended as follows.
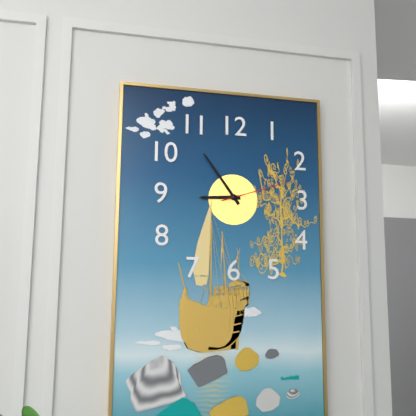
8:54:12
